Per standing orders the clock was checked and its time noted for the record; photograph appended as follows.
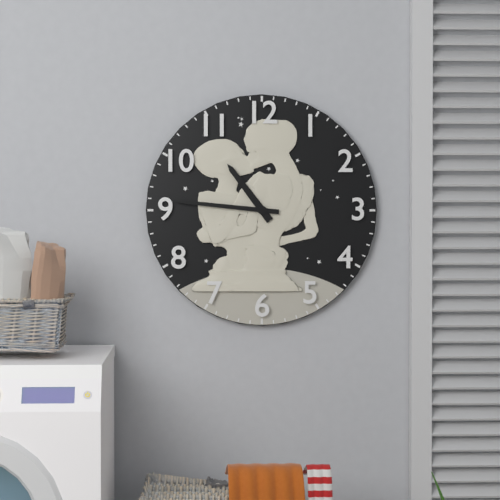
10:46
